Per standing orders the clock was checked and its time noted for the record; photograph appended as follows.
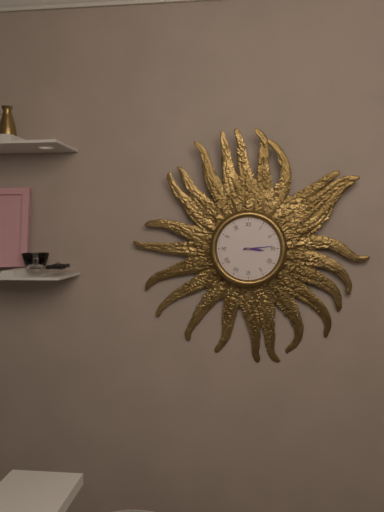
3:14
